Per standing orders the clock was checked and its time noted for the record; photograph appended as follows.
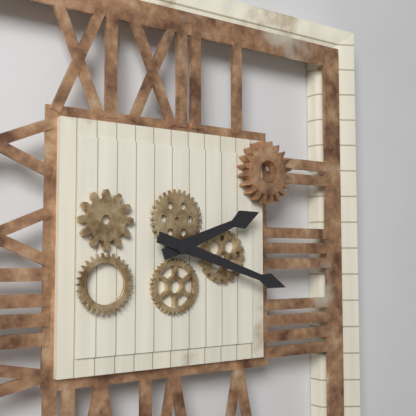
2:18
